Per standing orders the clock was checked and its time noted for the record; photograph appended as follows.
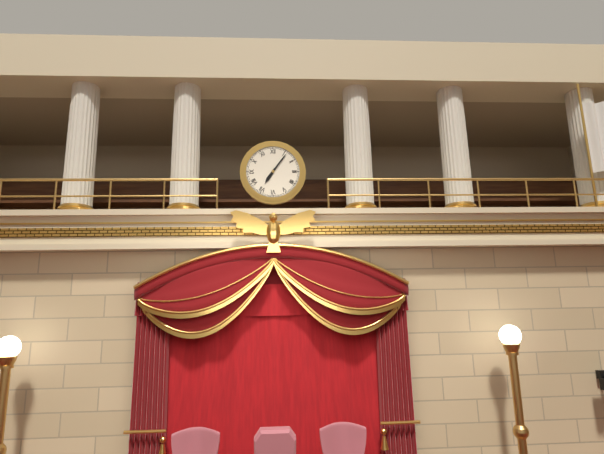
7:06
